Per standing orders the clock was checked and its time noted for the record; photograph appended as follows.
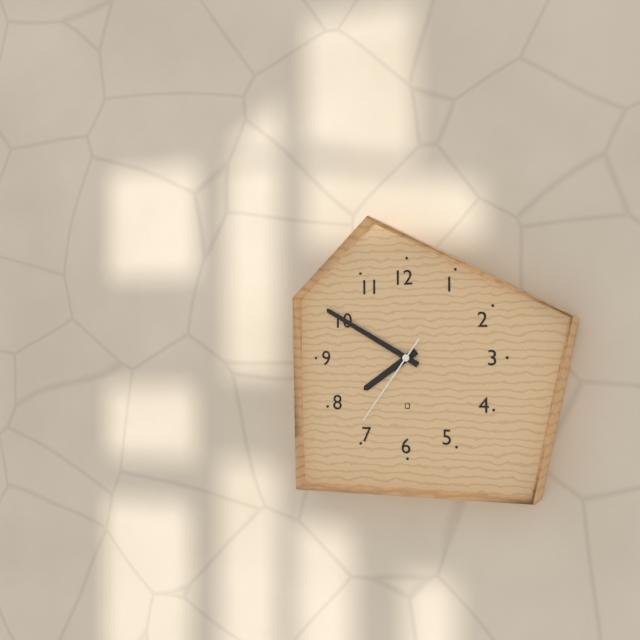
7:50:36
